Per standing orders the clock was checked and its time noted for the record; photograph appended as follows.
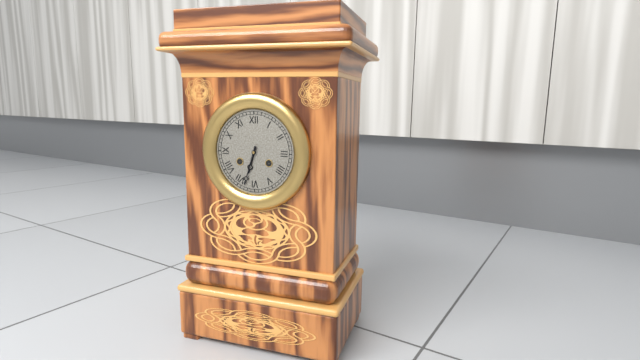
6:33
